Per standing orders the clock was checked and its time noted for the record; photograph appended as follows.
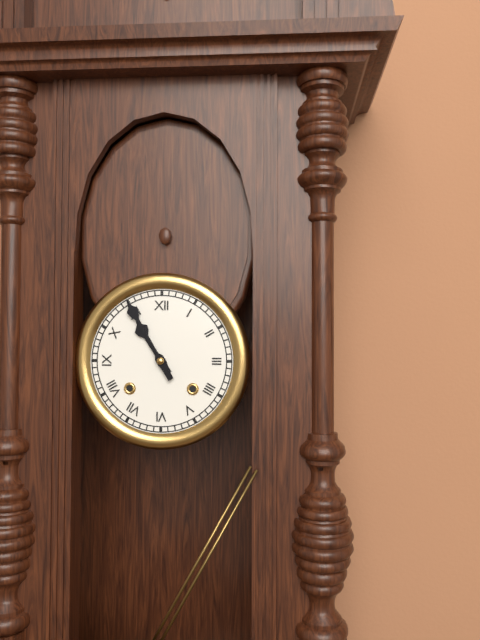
10:55
